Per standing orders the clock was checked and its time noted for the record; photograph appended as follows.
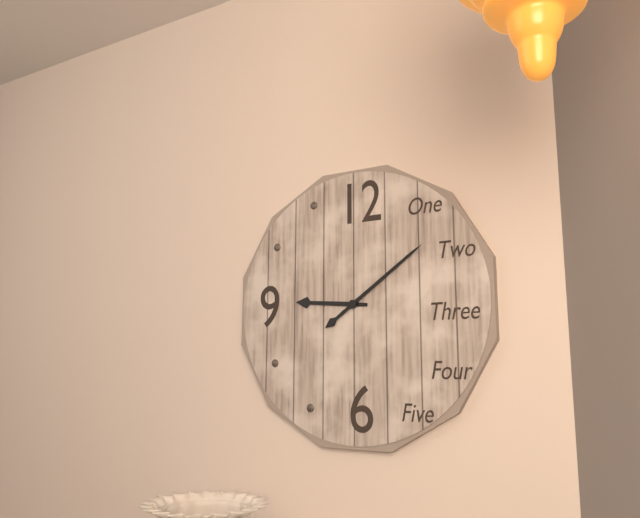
9:09
